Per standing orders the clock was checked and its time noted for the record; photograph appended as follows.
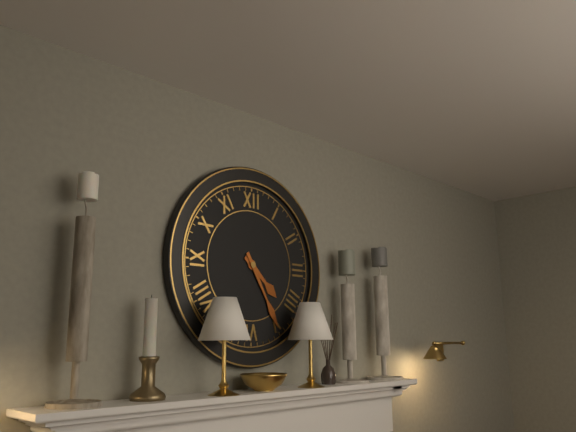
4:25
